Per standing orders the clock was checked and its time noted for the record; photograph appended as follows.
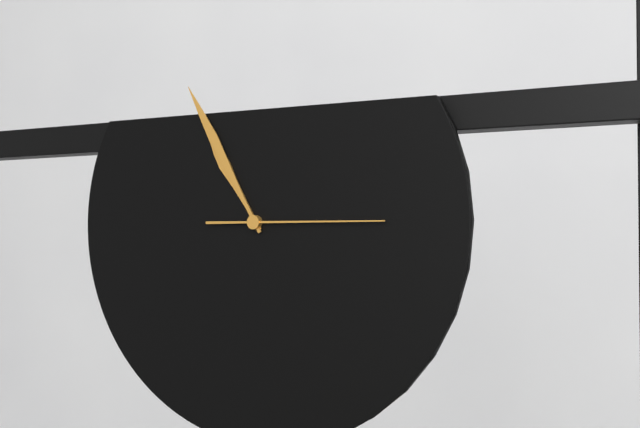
10:55:15
